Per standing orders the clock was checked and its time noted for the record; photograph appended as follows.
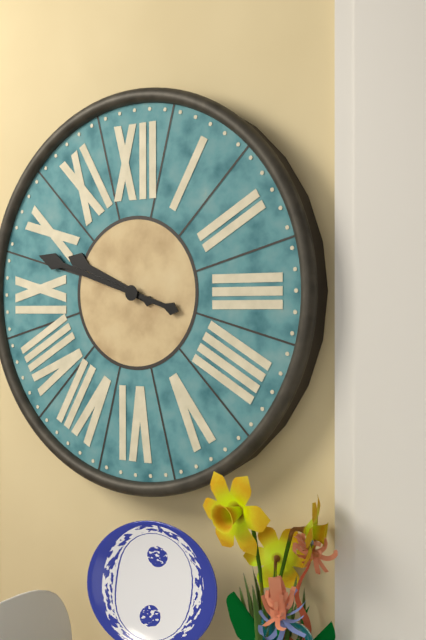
9:48
